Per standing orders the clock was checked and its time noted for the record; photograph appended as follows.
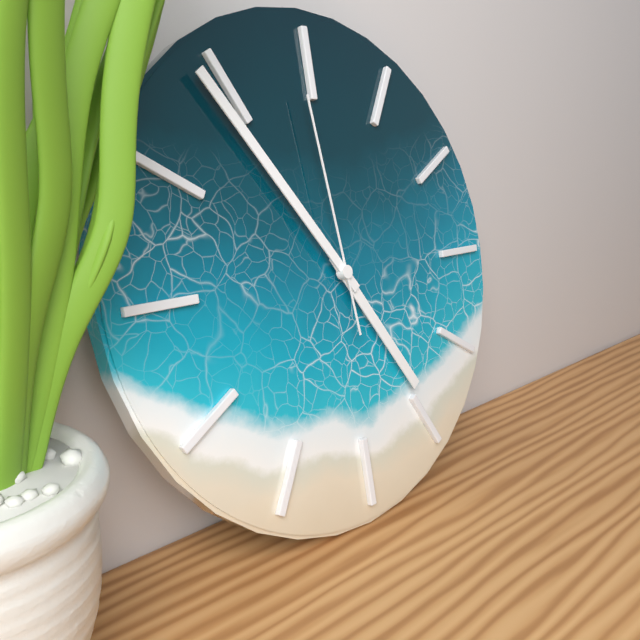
4:54:59
